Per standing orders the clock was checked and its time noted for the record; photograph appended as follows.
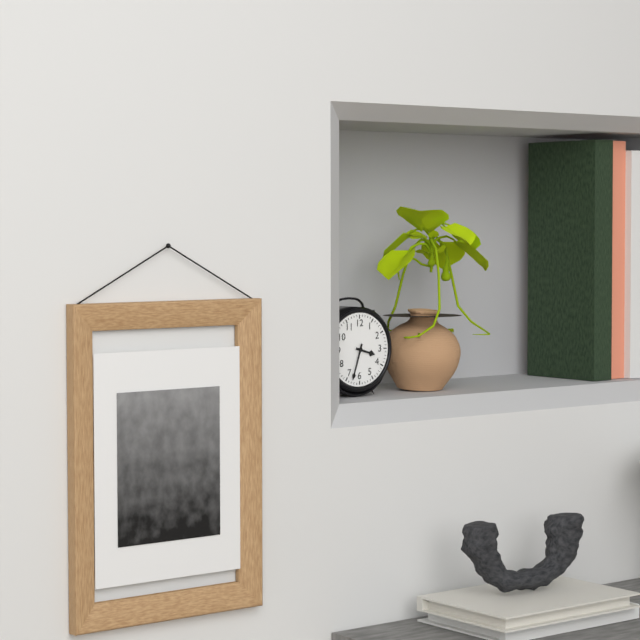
3:33
